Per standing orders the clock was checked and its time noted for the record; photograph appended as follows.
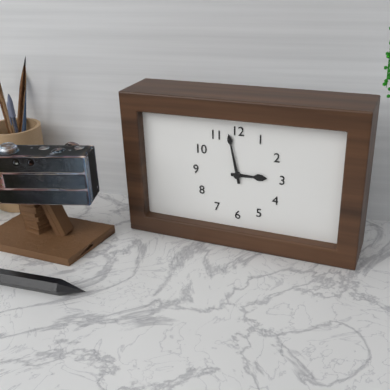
2:58
